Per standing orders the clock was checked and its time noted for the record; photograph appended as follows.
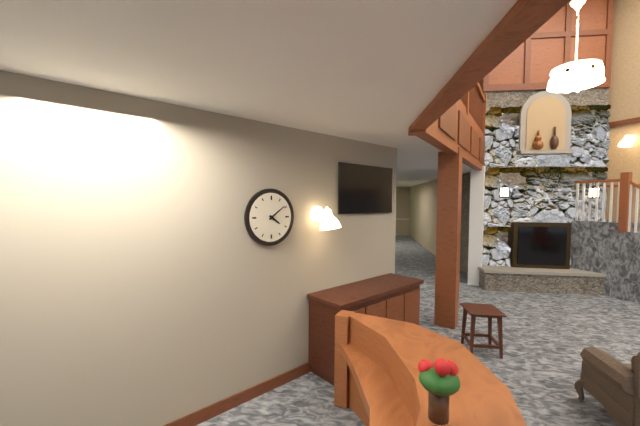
4:09
